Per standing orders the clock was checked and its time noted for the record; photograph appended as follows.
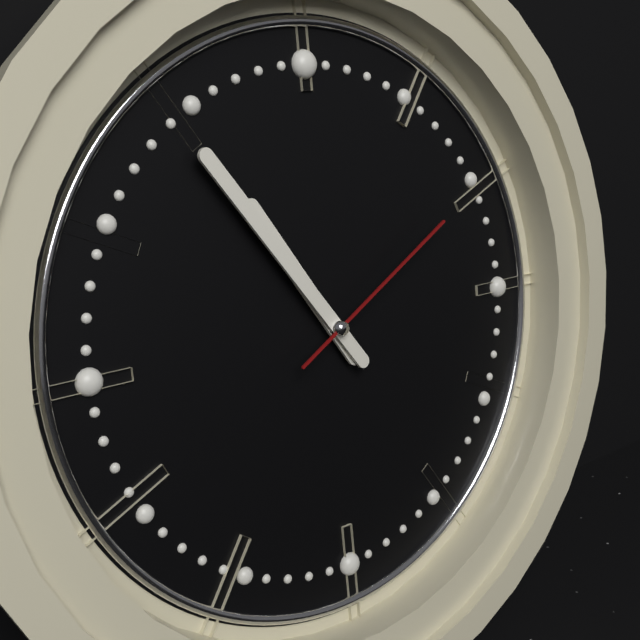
10:54:10
